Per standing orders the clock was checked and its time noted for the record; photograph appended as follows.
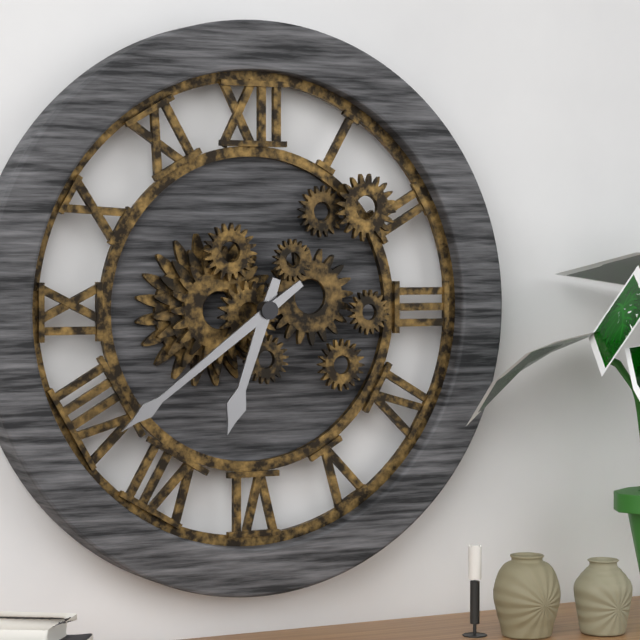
6:39
